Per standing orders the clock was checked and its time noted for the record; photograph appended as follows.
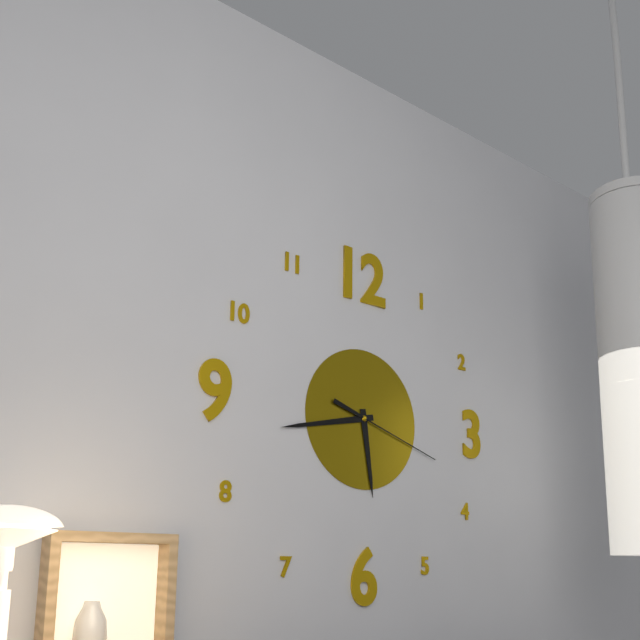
5:43:18
